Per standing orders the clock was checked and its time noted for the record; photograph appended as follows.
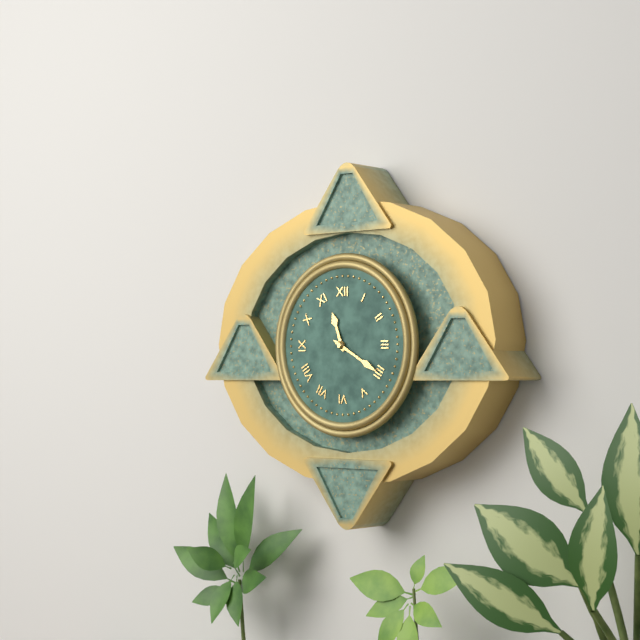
11:20
